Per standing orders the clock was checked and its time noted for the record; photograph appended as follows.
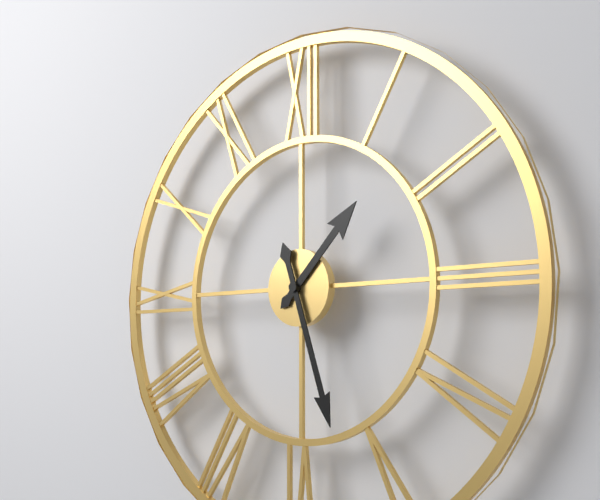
1:27
